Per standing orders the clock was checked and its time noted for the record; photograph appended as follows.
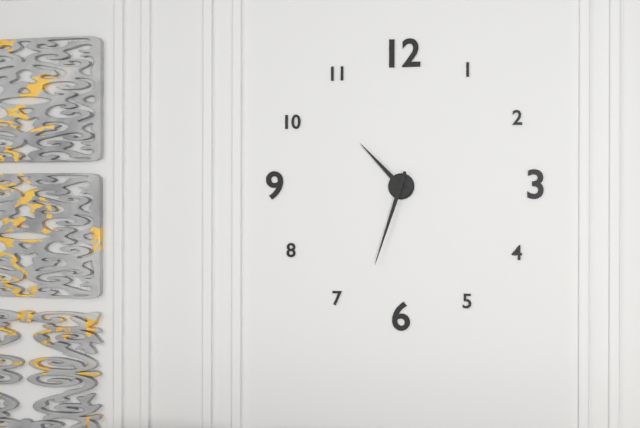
10:33
